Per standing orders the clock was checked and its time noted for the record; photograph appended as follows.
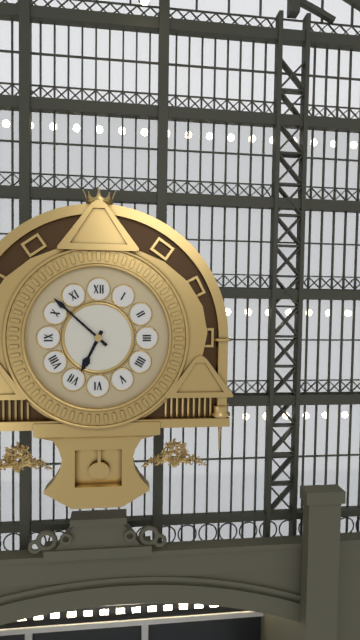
6:52
